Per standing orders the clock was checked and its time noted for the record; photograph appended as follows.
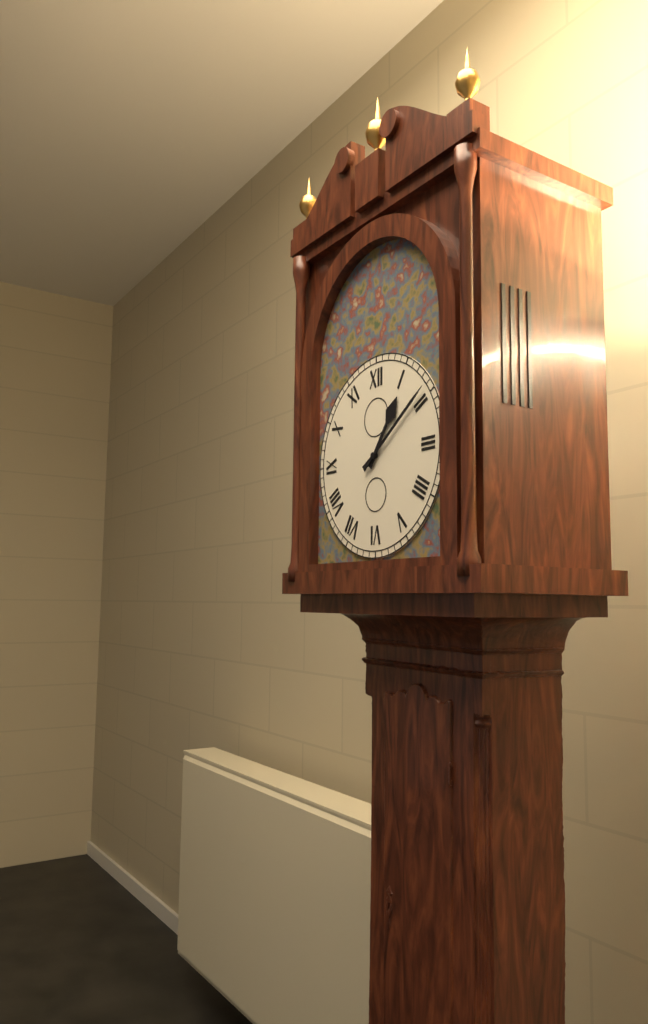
1:09
